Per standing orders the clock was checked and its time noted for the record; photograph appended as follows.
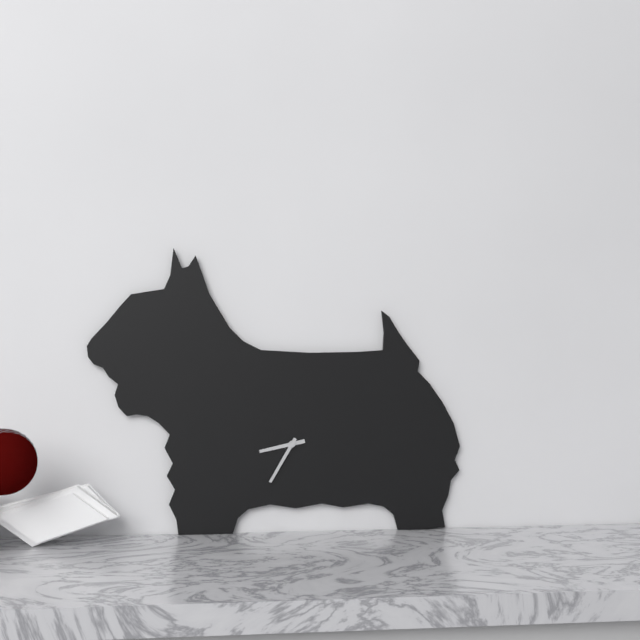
8:35
